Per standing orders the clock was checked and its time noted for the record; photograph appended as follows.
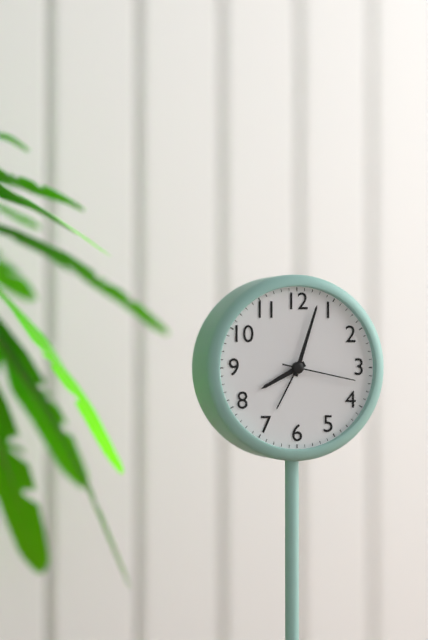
8:03:17
